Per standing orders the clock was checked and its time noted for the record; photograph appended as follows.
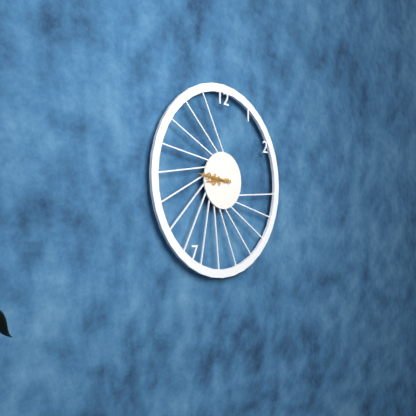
8:46
